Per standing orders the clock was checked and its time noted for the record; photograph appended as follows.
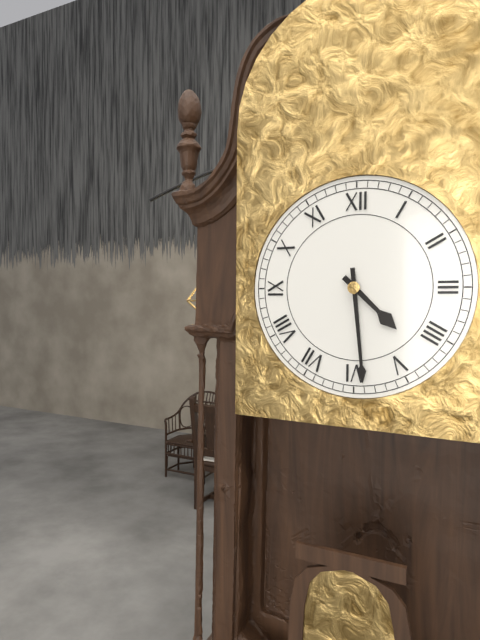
4:29
